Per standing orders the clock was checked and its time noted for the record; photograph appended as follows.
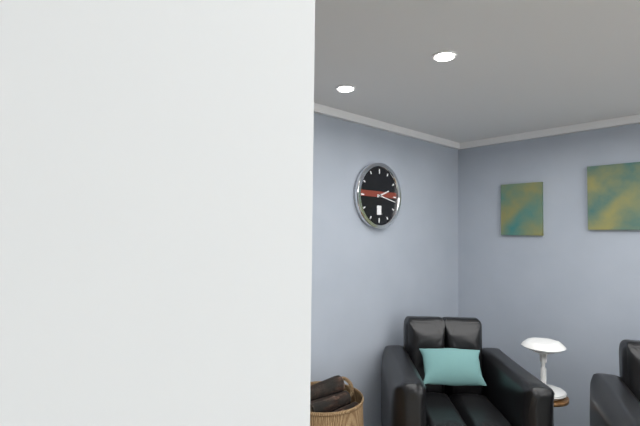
2:17
